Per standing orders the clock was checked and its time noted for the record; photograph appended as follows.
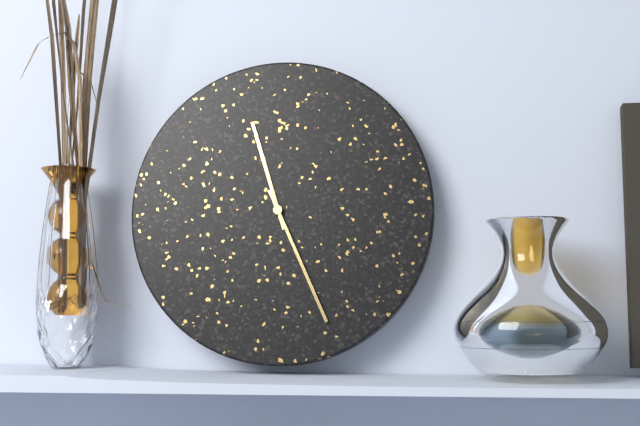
11:26
